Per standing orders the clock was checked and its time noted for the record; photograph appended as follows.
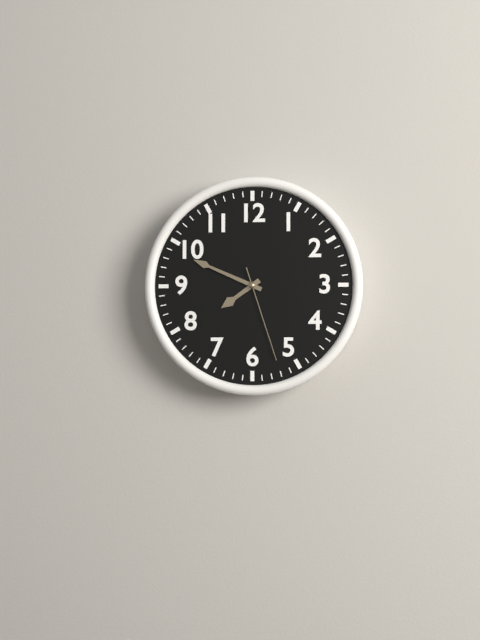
7:49:27
